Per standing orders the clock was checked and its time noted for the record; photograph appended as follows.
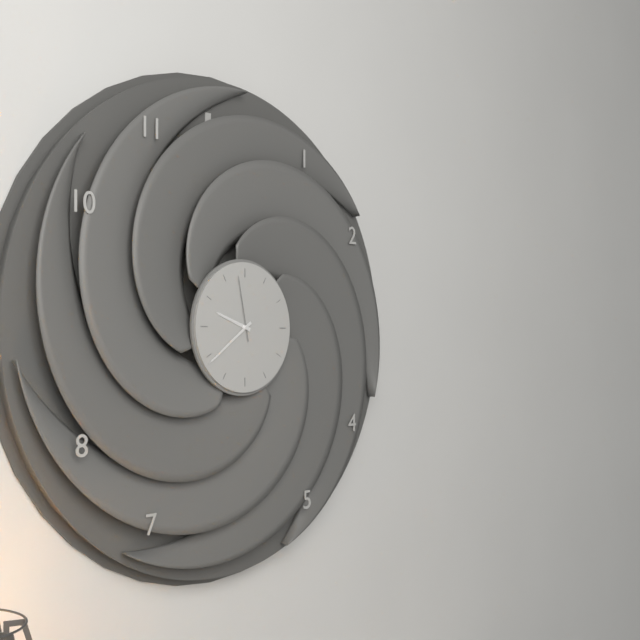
9:39:58
